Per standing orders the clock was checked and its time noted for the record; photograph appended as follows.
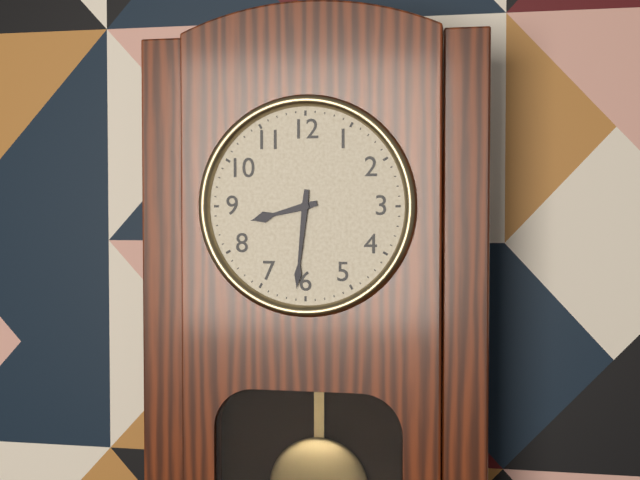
8:31
